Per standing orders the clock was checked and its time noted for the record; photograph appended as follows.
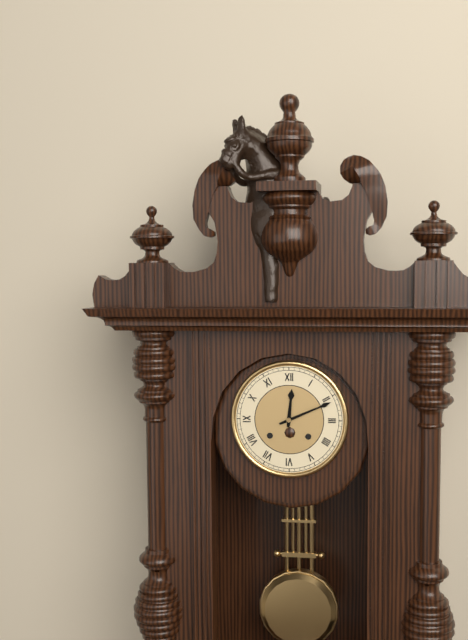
12:11
